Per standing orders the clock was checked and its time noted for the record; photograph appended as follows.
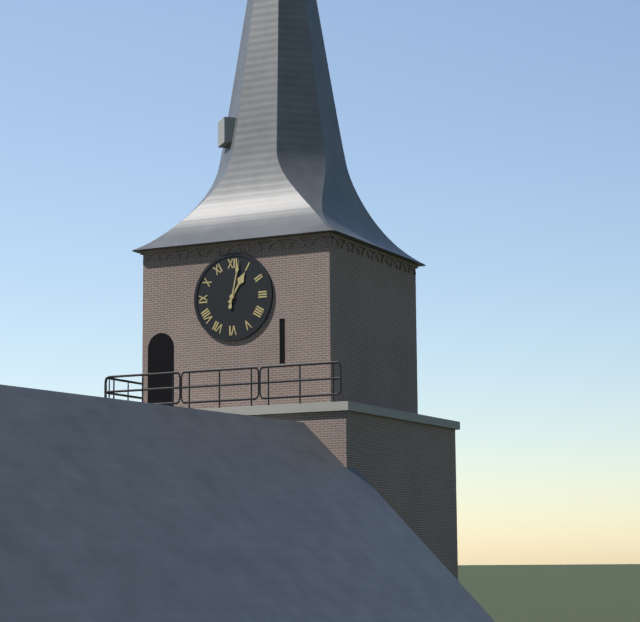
1:02
